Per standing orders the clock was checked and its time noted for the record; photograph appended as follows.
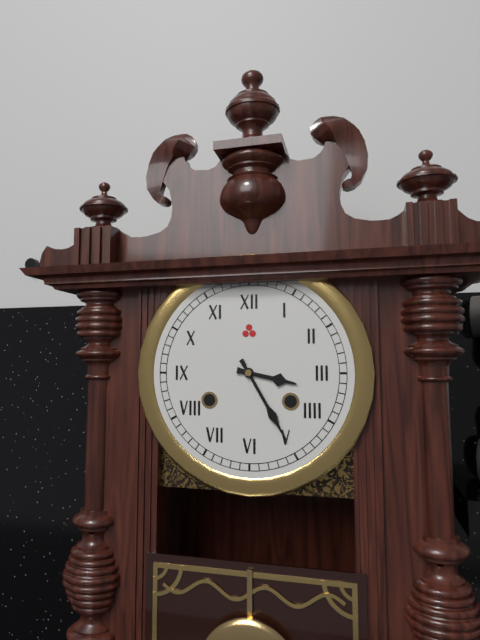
3:25
